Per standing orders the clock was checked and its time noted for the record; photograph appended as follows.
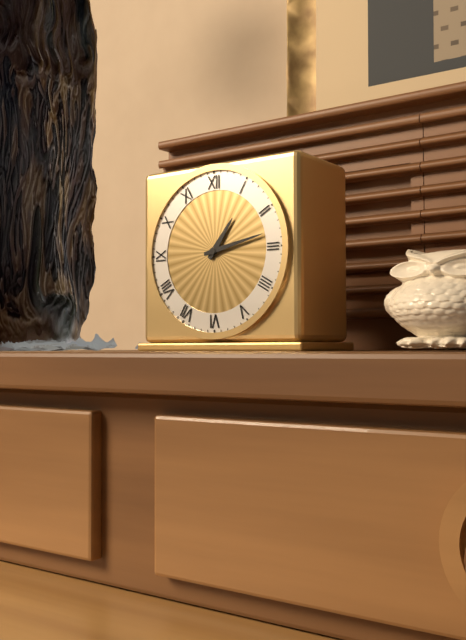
1:13
